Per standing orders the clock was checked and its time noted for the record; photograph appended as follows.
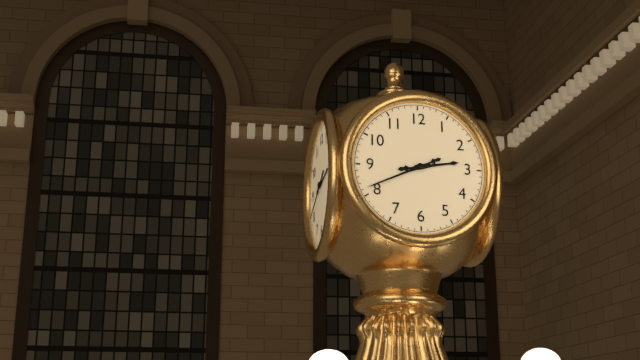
2:41
